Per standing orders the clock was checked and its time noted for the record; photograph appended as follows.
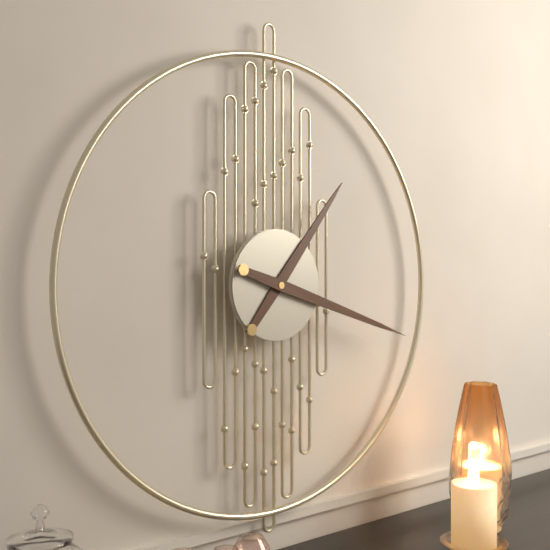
1:18
